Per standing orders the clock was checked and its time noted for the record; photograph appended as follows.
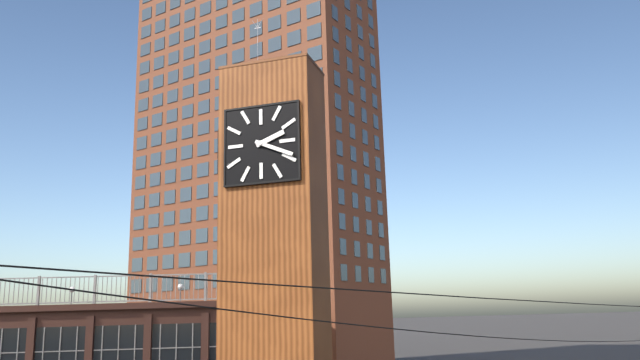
2:19
